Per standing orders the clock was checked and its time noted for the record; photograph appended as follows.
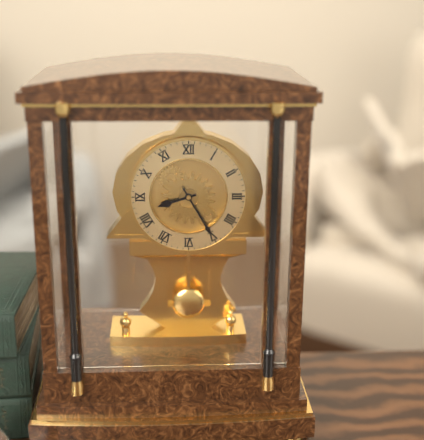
8:25
